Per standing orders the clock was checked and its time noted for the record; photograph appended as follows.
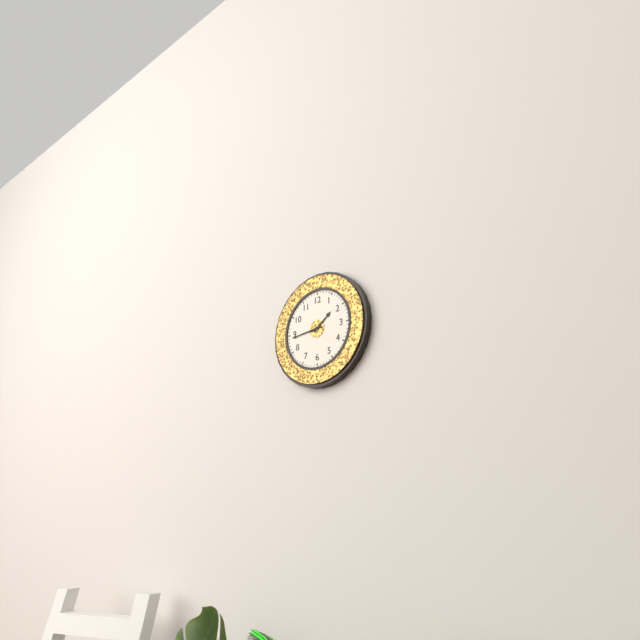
1:44
